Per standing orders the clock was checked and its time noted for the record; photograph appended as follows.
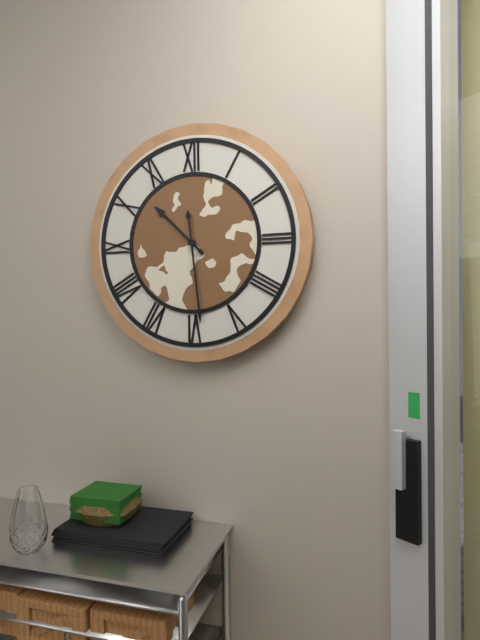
10:29
